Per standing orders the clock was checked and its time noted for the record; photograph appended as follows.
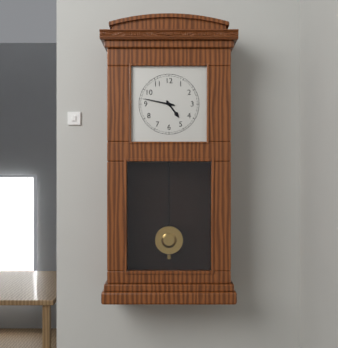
4:47
